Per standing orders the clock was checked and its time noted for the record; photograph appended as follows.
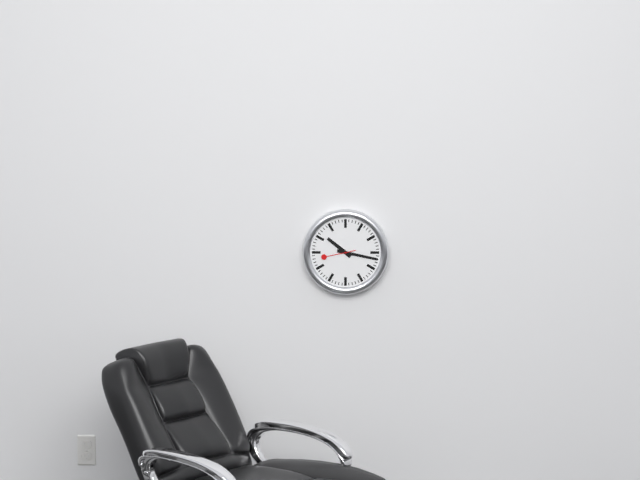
10:17
